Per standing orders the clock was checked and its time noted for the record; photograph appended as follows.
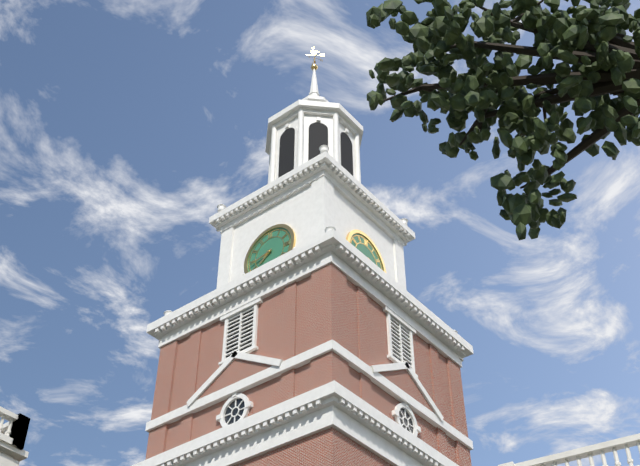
7:43
